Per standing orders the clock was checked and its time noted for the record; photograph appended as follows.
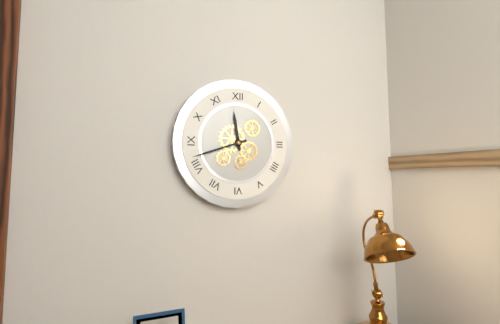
11:42
